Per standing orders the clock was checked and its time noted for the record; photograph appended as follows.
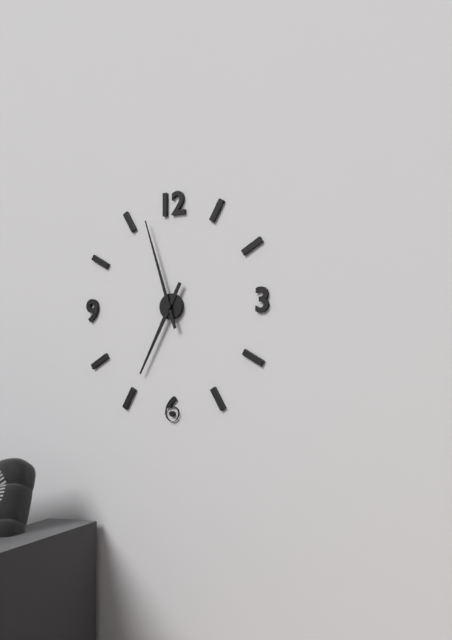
6:57
